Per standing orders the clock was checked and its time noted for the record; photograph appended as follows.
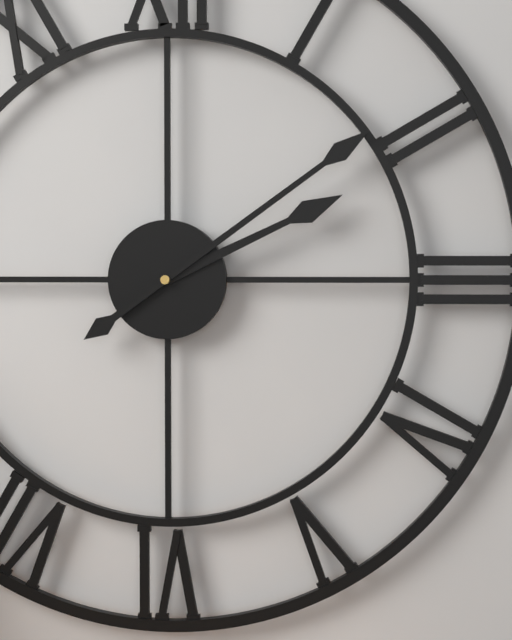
2:09
